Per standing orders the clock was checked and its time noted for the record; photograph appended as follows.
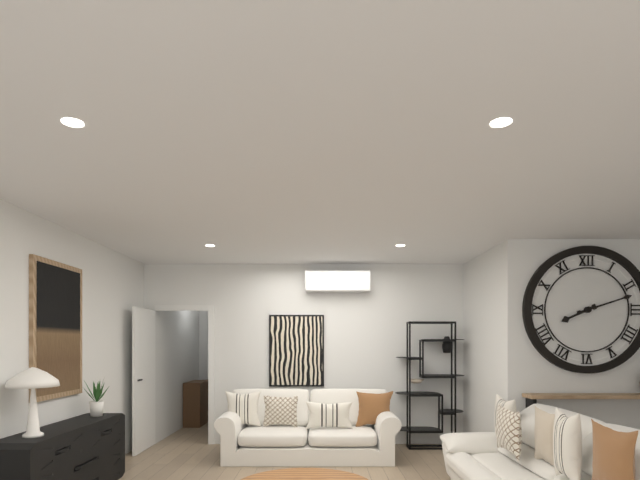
8:12
